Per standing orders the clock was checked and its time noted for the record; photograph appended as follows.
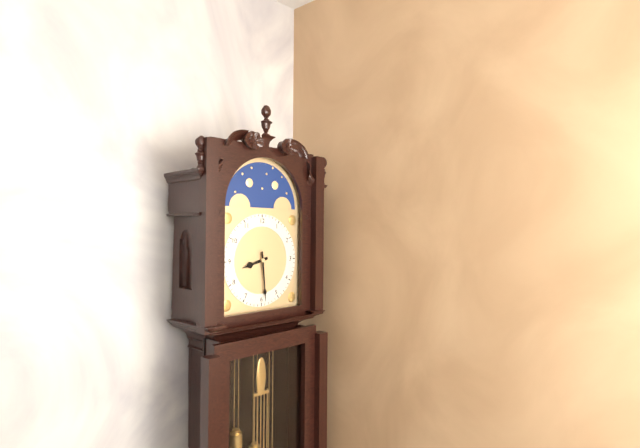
8:29
